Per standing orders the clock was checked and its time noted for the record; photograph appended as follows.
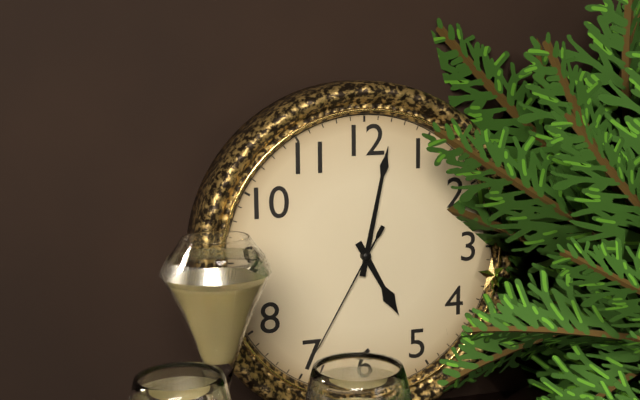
5:02:35
